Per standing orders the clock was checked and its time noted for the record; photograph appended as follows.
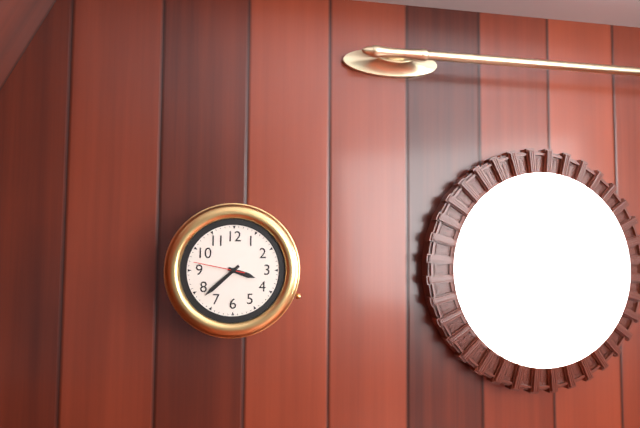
3:38:47
